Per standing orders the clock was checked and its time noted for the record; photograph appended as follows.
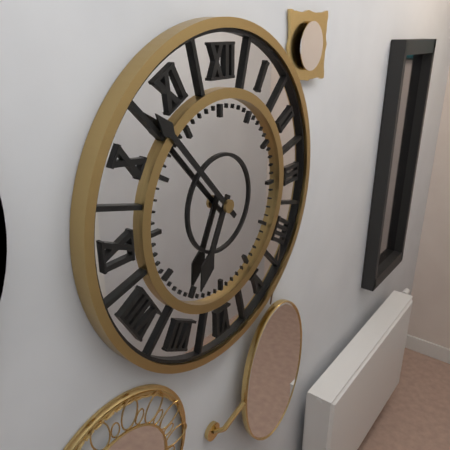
6:53
